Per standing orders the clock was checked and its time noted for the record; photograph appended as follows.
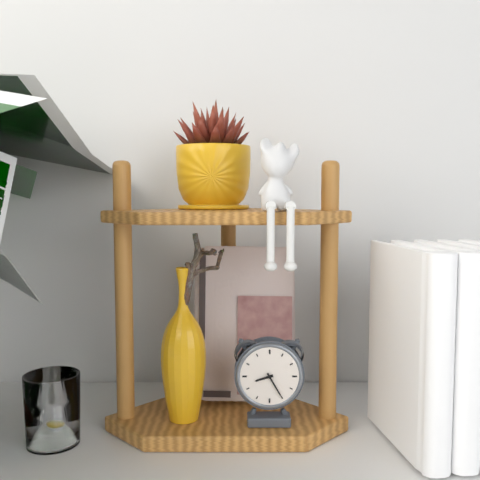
8:25
